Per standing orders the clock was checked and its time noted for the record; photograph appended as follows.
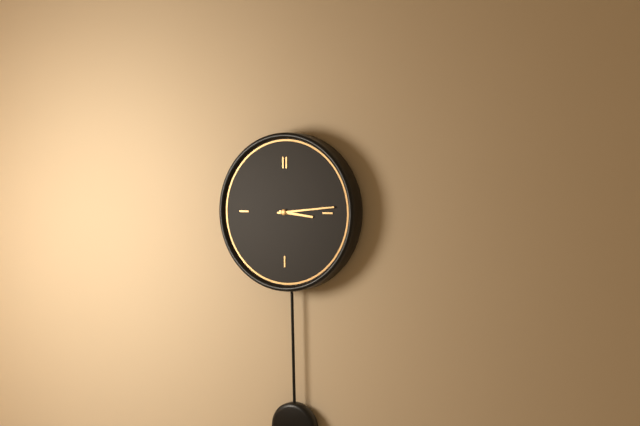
3:14
